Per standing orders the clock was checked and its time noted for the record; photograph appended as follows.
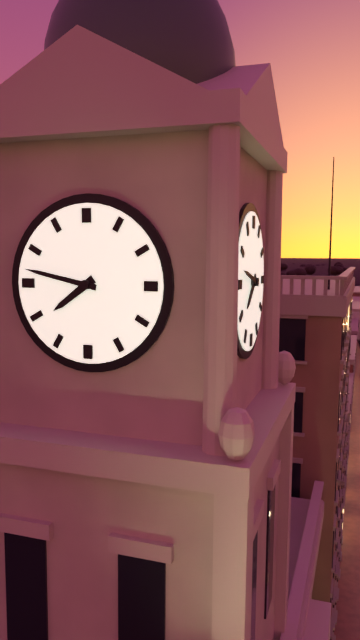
7:47
